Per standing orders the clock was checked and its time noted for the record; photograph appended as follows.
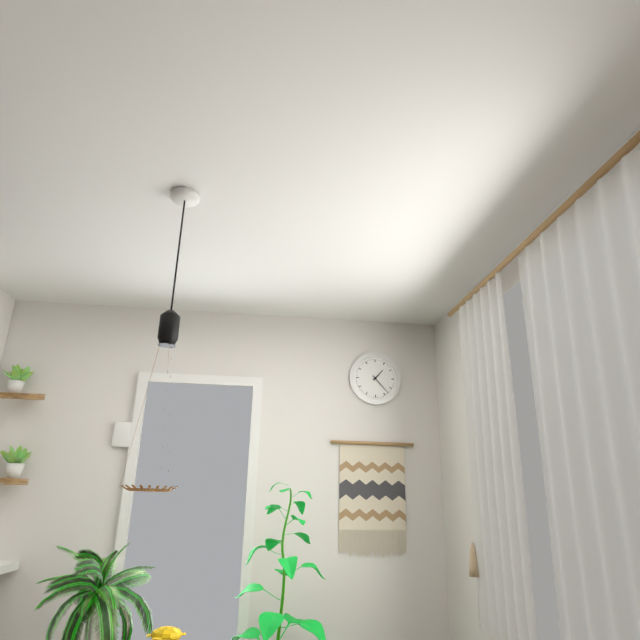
1:23
